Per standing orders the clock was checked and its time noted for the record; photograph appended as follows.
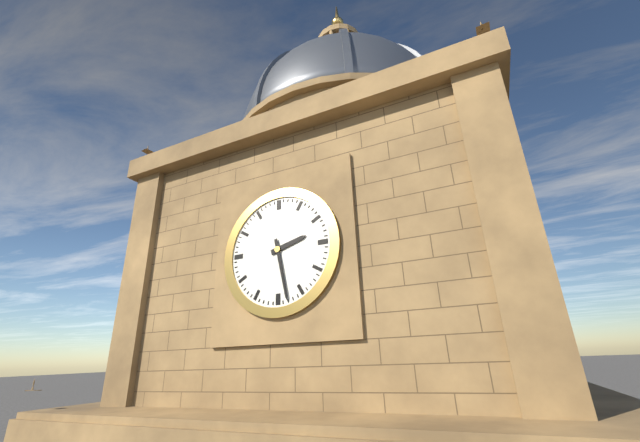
2:28
